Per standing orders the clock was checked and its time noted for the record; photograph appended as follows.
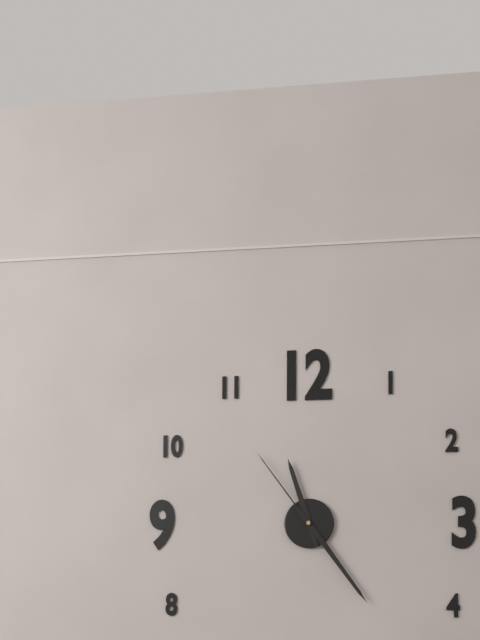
11:24:54
